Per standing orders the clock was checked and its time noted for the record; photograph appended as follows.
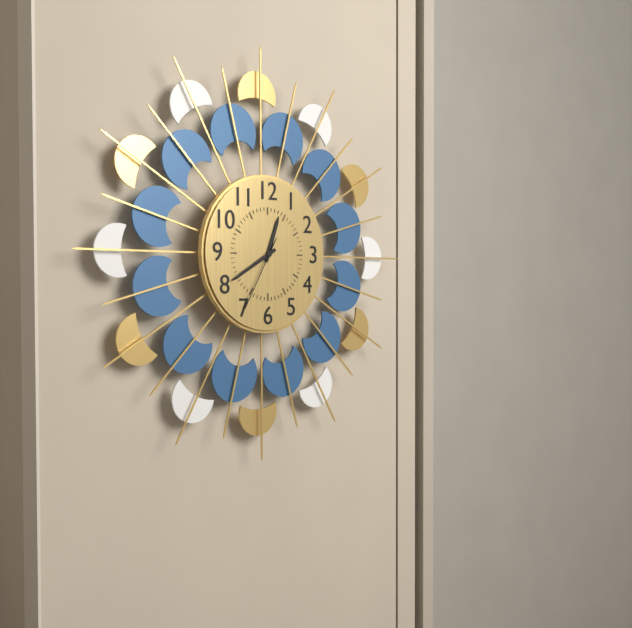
12:40:35
